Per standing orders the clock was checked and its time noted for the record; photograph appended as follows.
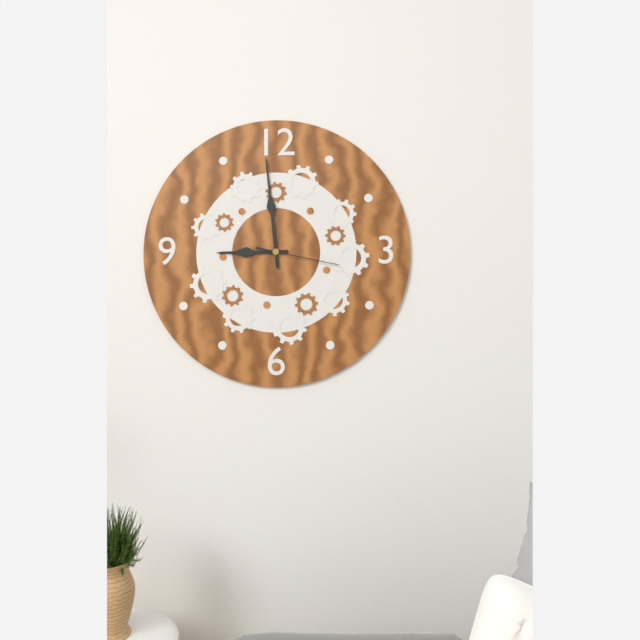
8:59:17
